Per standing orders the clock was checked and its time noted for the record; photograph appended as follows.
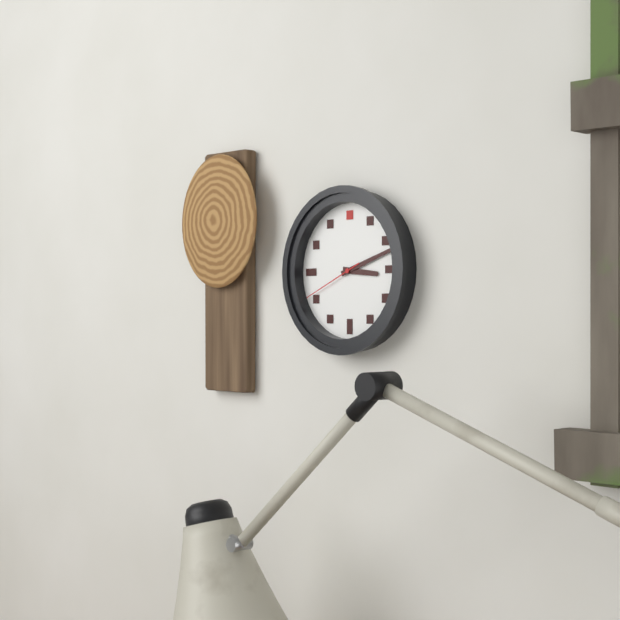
3:12:41
